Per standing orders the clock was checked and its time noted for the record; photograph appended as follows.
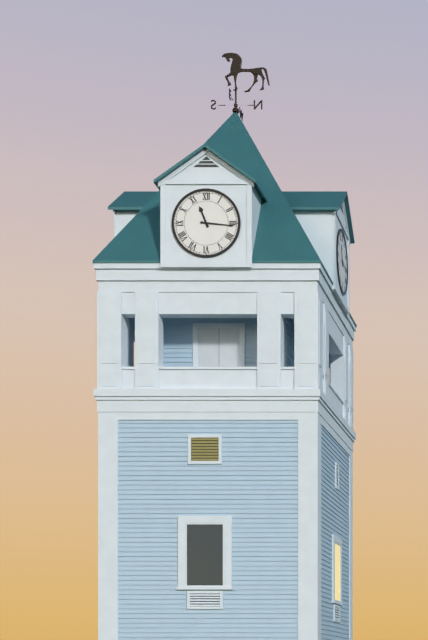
11:16
